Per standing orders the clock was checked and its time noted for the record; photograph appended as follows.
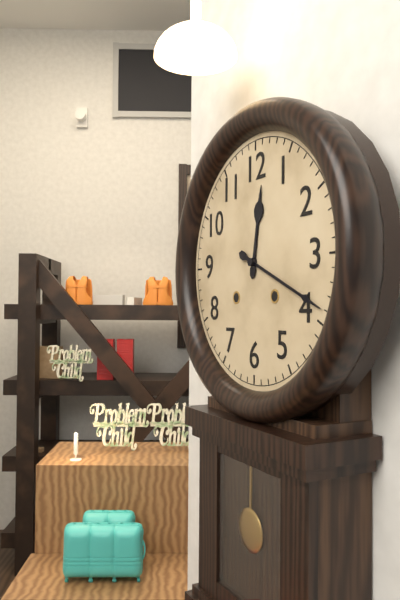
12:19
